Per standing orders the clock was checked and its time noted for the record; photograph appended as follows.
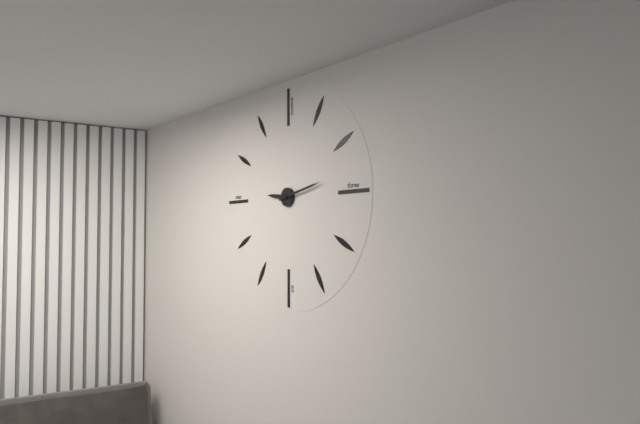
9:13
